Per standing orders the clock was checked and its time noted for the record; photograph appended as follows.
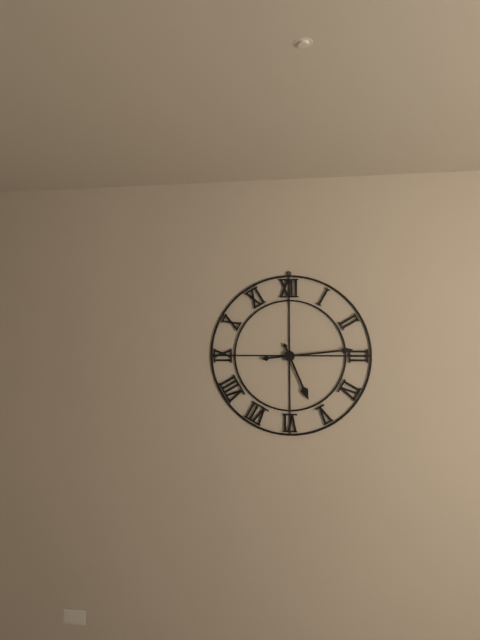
5:14
